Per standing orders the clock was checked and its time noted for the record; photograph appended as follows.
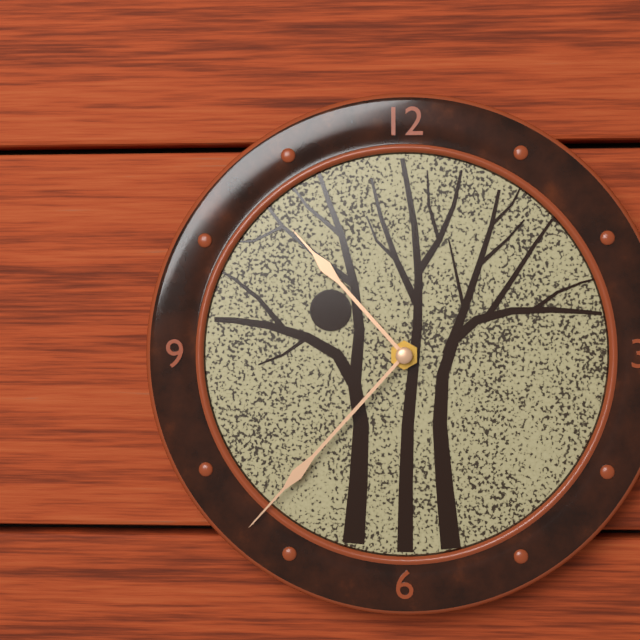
10:37
